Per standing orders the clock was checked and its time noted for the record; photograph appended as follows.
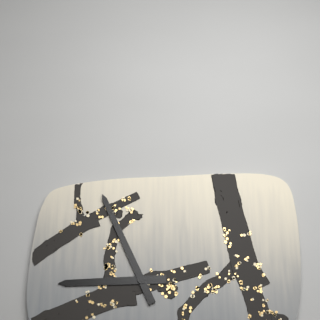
8:56
